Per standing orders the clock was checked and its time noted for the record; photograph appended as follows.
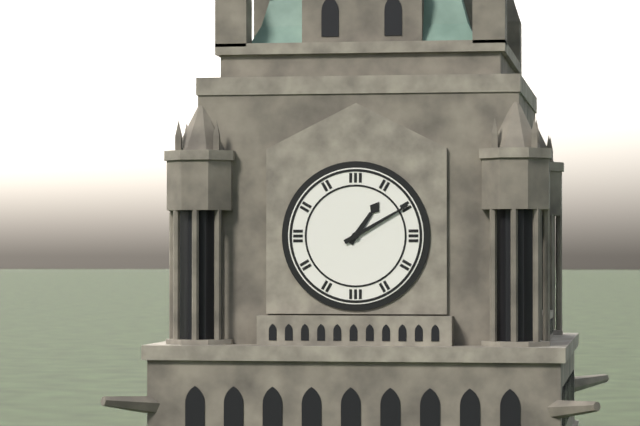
1:10
